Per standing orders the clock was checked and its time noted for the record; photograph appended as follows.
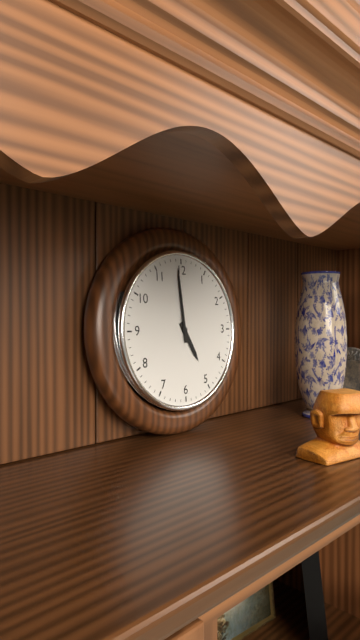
4:59
